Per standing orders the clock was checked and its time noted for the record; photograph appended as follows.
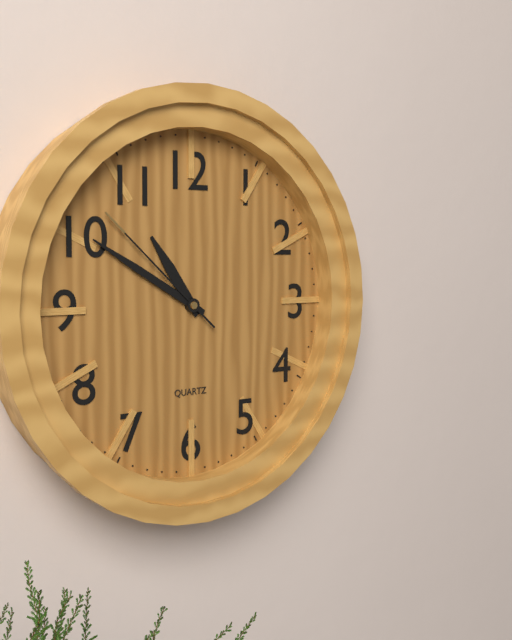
10:50:52
